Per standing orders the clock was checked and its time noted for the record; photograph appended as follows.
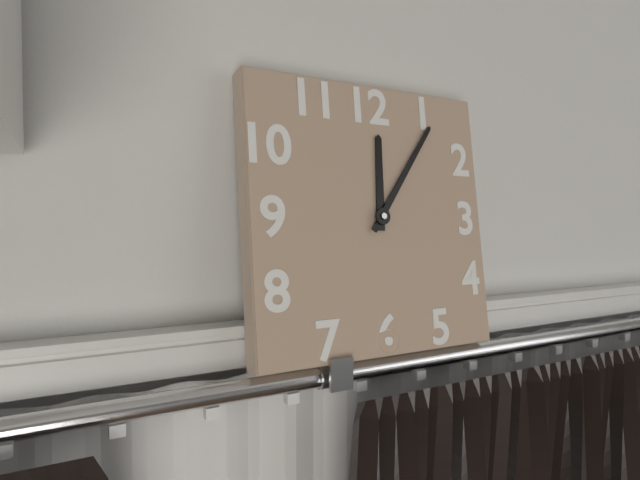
12:06
